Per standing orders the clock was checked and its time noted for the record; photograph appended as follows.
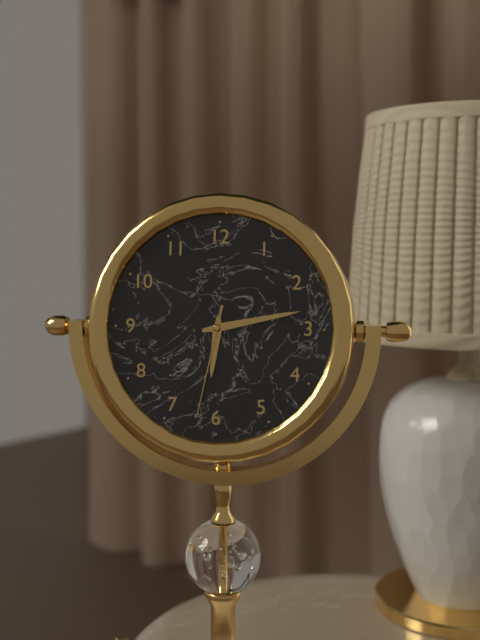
6:13:32
